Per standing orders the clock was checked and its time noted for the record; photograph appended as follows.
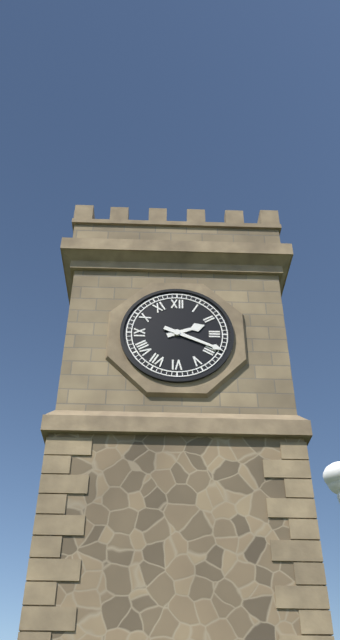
2:19
